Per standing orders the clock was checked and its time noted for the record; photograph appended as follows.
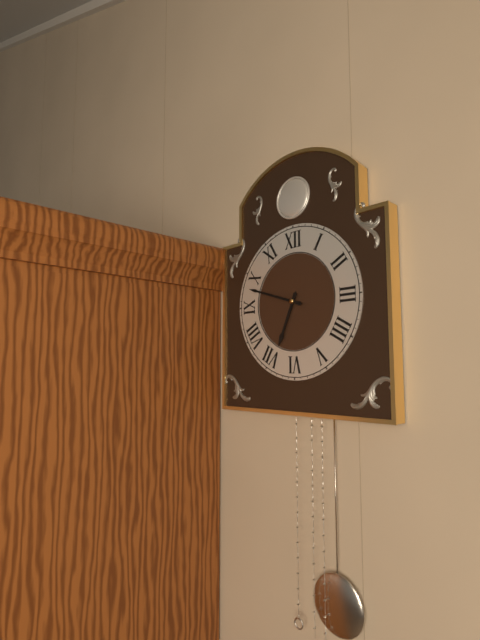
6:48
